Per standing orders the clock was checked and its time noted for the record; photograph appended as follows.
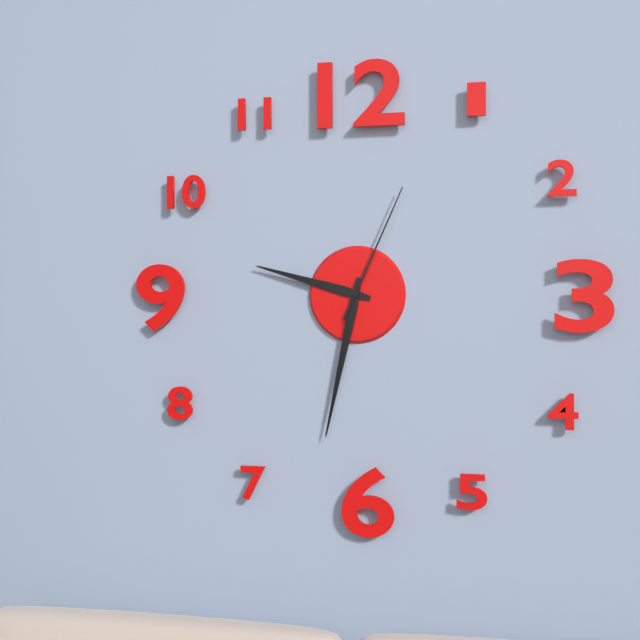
9:32:04
